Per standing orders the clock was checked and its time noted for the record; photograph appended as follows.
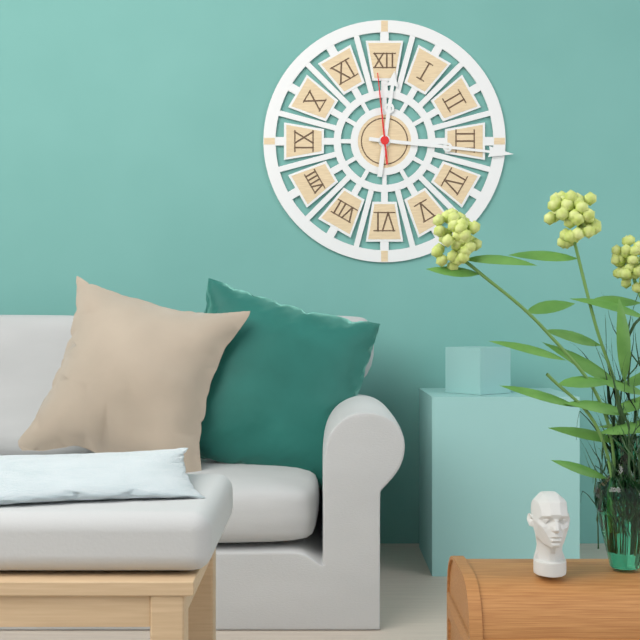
12:16:59
